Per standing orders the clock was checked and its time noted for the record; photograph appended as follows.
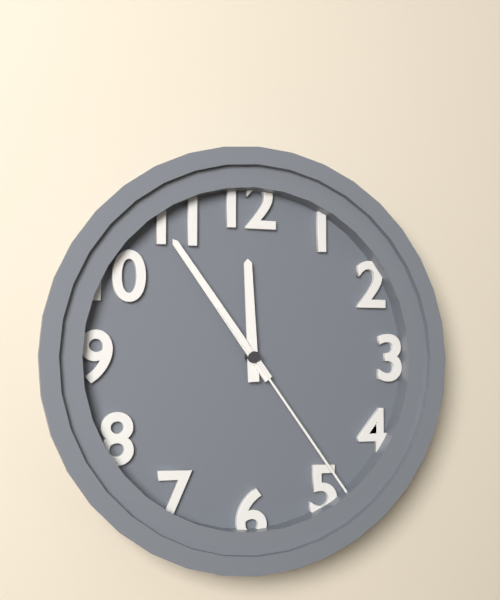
11:54:24
